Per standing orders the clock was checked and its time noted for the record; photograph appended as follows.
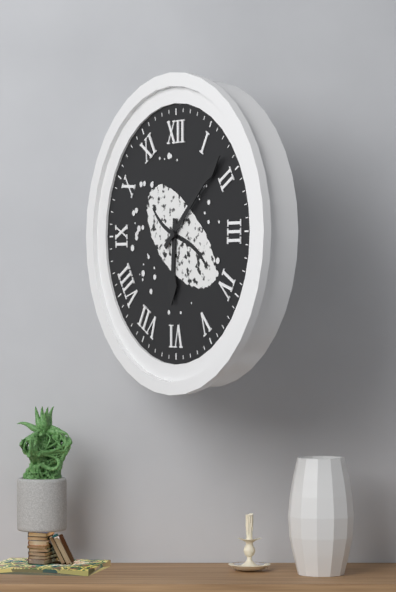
6:08
